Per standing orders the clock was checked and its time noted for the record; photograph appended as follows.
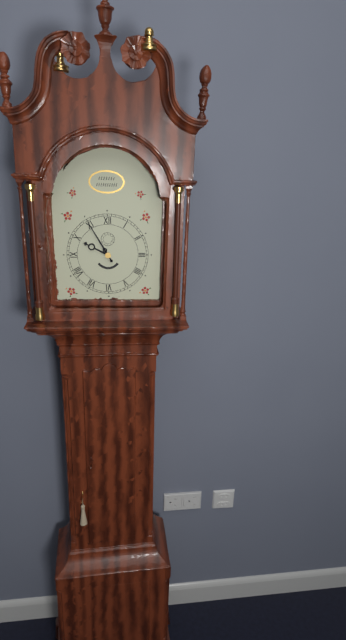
9:55
